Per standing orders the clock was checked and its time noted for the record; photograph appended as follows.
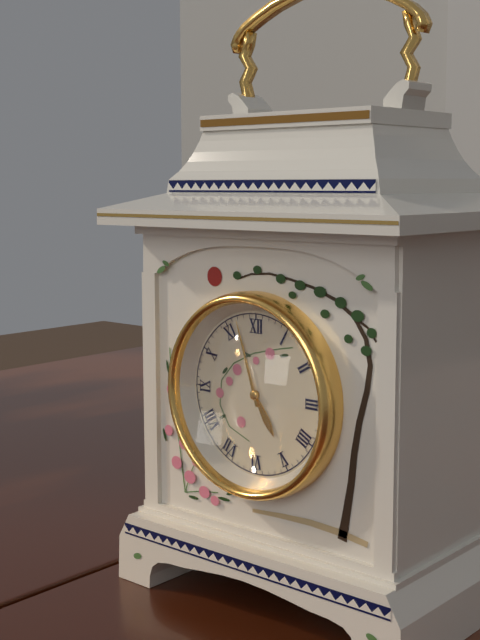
4:57
